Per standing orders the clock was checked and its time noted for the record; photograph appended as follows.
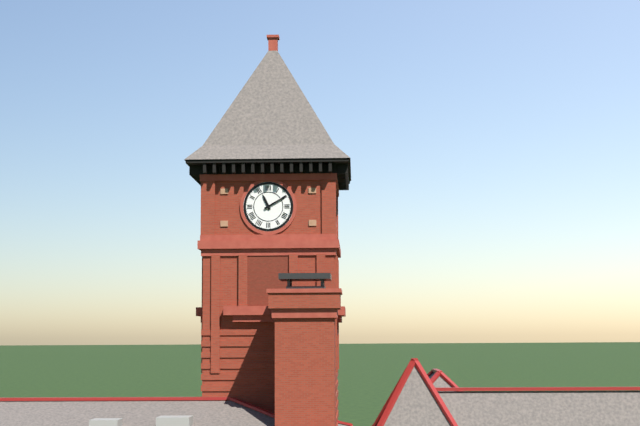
11:10
